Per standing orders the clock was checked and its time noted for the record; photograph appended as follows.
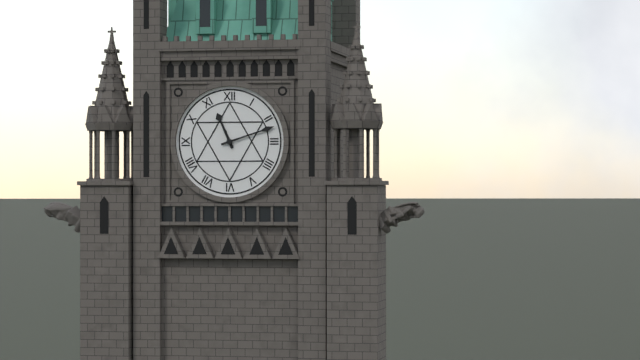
11:12
